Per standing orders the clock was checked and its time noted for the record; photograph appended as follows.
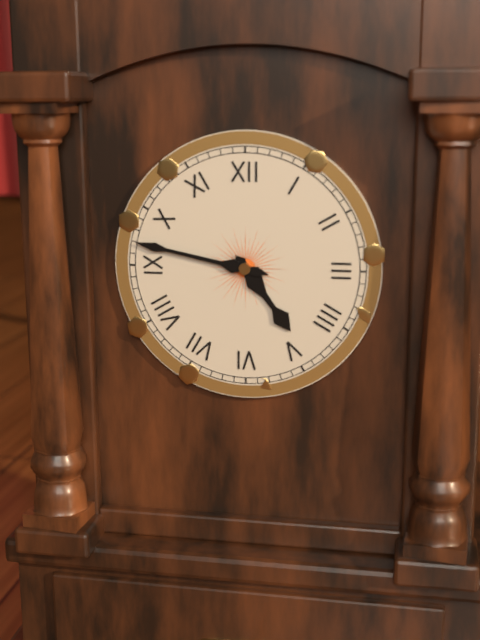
4:47
